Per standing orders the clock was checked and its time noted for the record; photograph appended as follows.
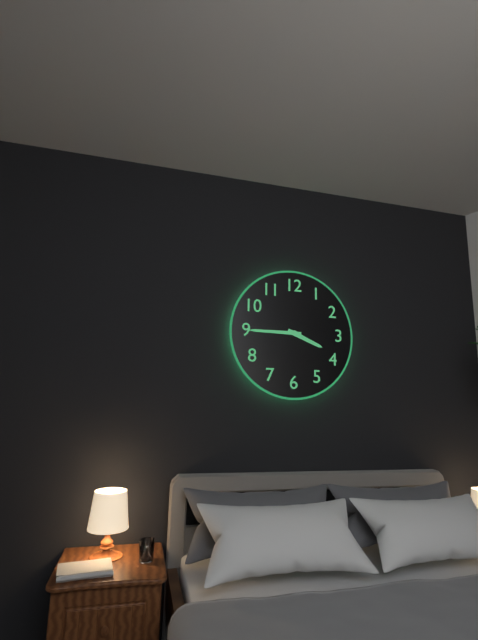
3:45
